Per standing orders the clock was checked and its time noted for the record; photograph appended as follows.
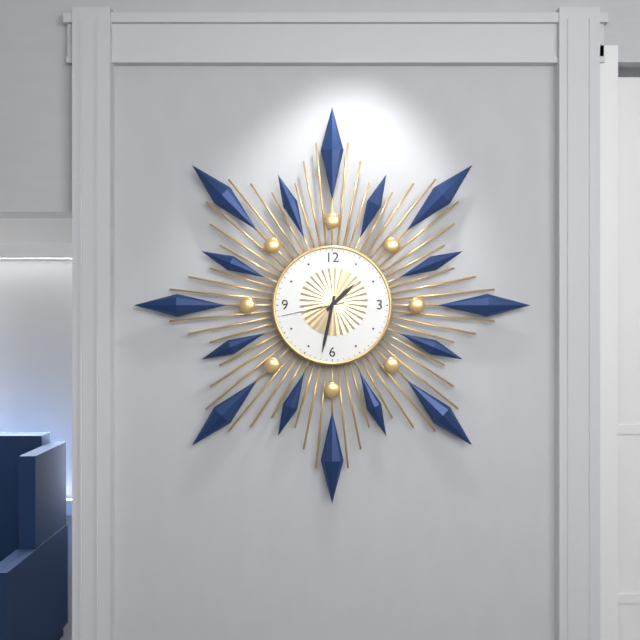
1:32:43
